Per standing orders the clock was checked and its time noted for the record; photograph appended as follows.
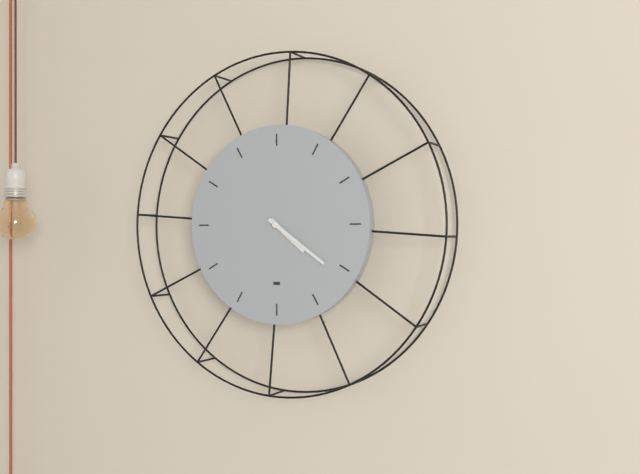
4:21
